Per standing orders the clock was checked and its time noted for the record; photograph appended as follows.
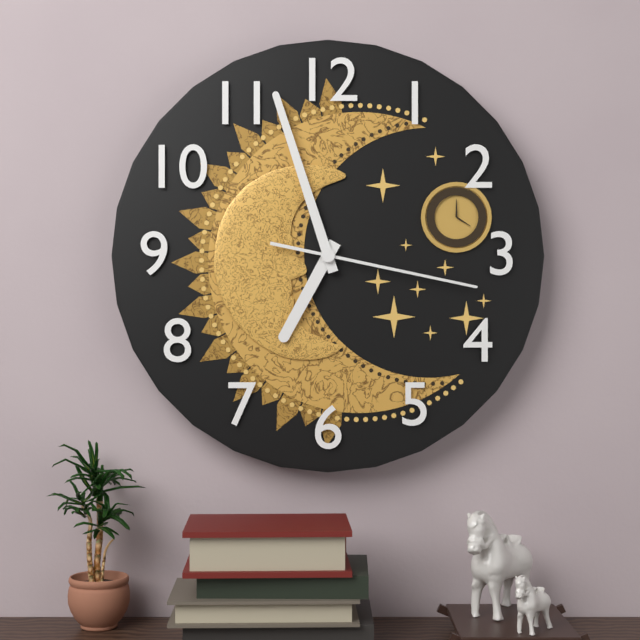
6:57:17
